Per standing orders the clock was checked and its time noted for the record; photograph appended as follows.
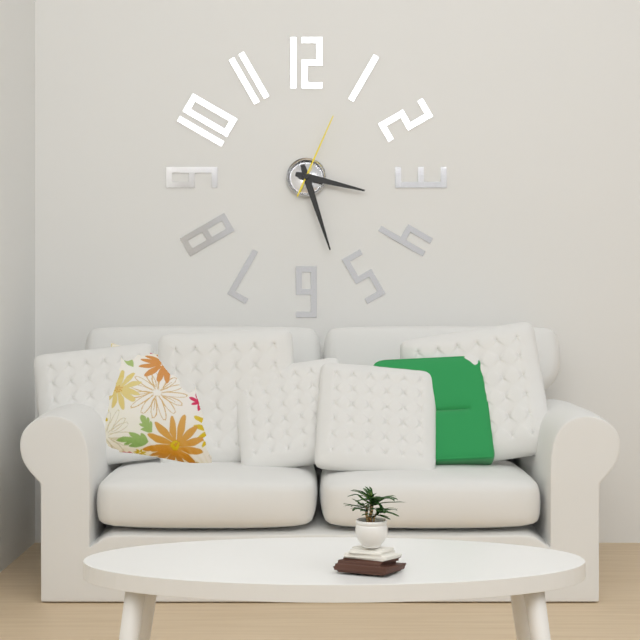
3:27:04
